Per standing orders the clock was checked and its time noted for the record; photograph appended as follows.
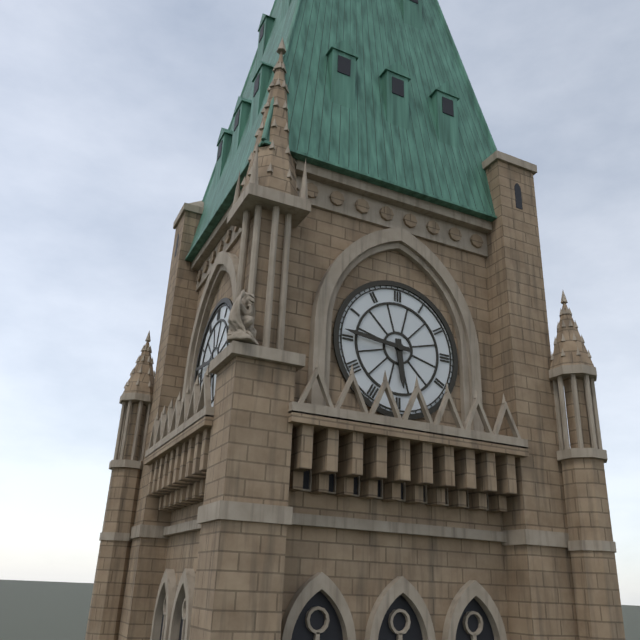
5:46
